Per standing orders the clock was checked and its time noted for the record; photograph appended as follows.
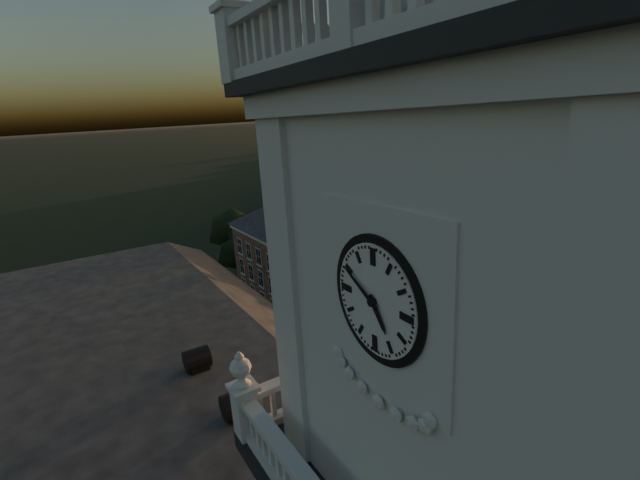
4:50
